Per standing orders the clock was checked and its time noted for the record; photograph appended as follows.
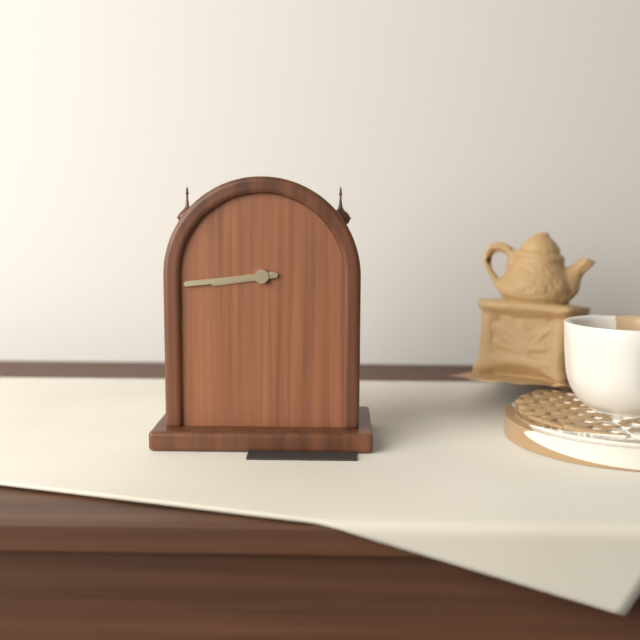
8:44
